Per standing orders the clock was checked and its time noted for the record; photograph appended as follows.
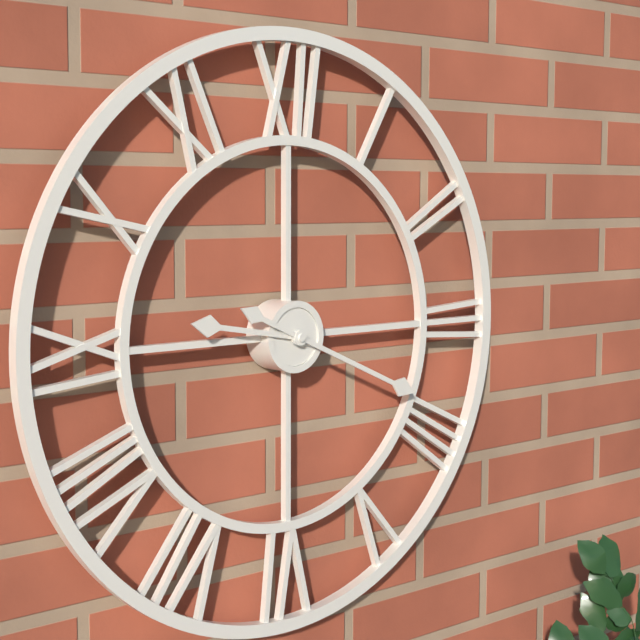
9:19
